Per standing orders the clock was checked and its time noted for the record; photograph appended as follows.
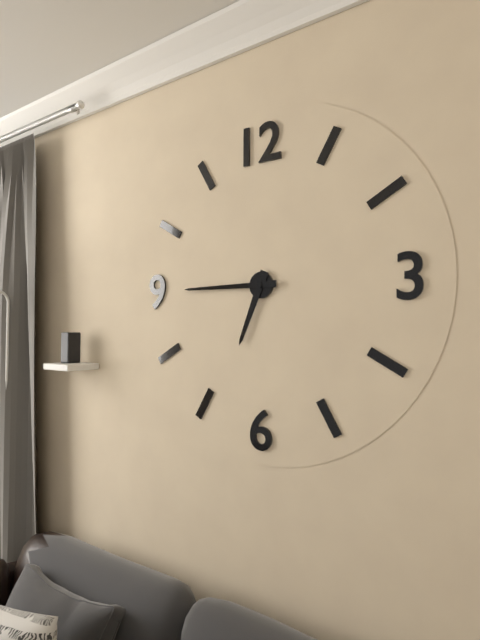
6:45
